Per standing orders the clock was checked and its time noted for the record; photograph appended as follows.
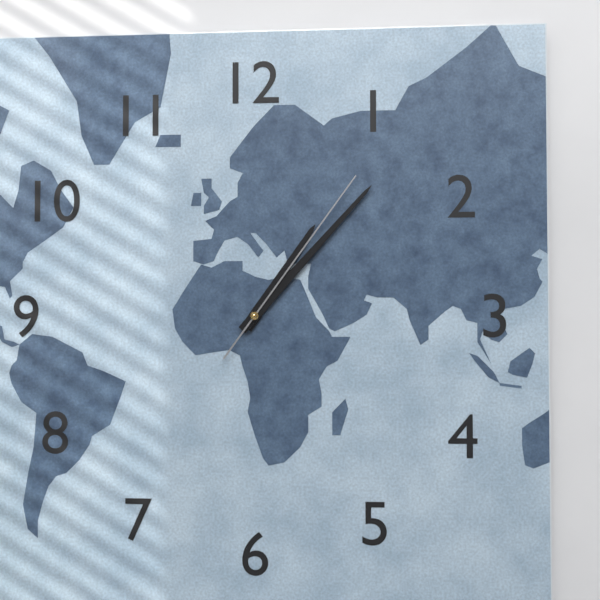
1:07:06
